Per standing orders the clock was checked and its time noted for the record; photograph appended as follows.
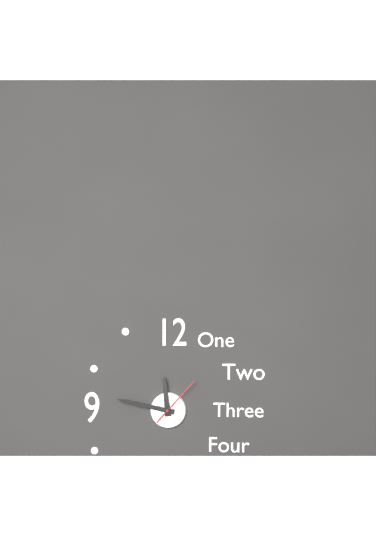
11:47:07
